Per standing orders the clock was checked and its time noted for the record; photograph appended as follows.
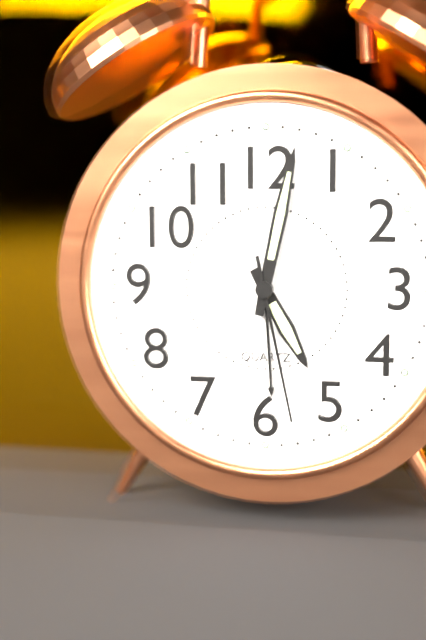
5:02:28
